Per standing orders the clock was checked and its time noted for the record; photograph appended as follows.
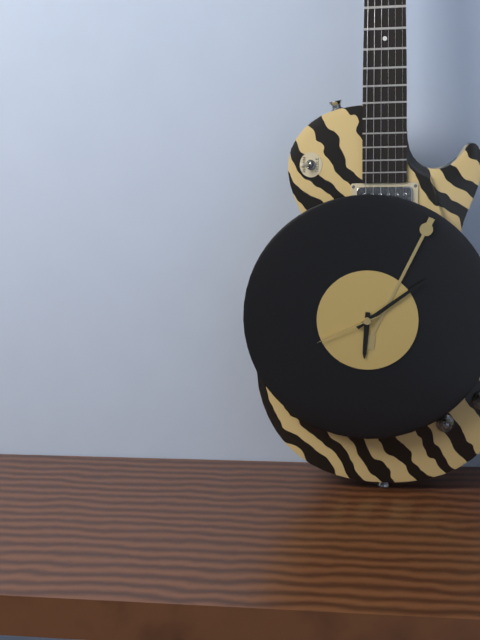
6:09:41
